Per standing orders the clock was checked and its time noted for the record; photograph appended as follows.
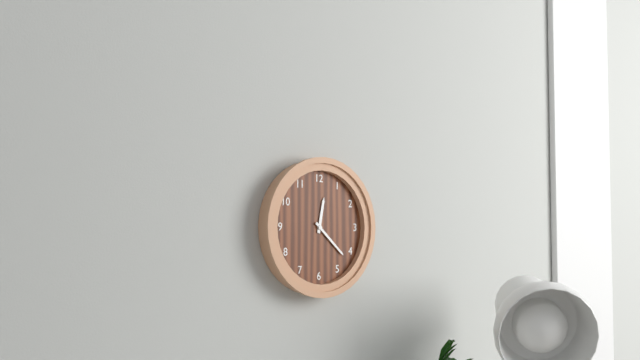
12:22
